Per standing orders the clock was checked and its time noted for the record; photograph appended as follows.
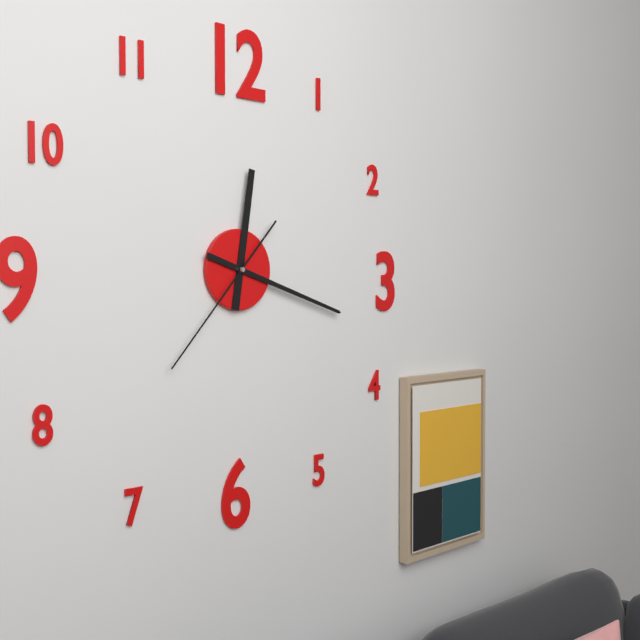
12:18:37
